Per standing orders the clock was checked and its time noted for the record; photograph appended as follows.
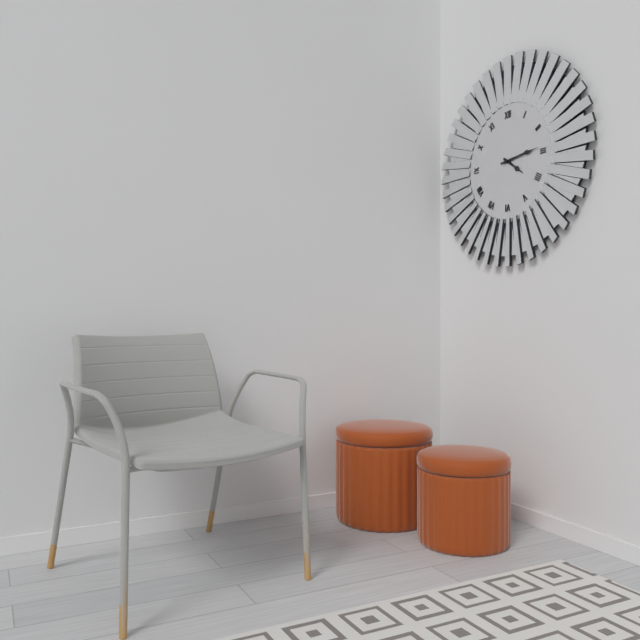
4:14
